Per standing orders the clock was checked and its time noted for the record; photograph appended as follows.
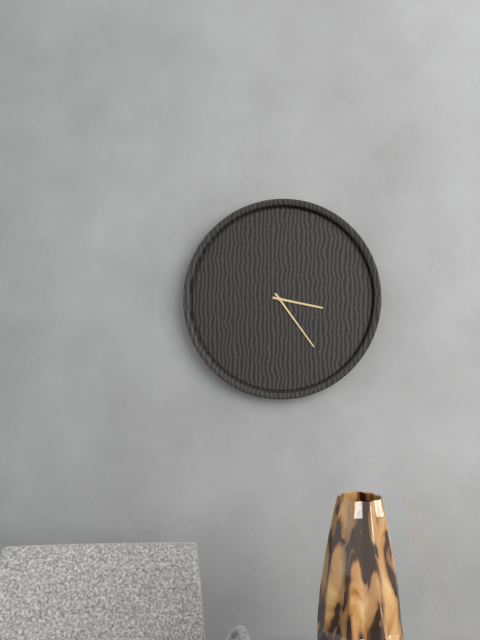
3:24
